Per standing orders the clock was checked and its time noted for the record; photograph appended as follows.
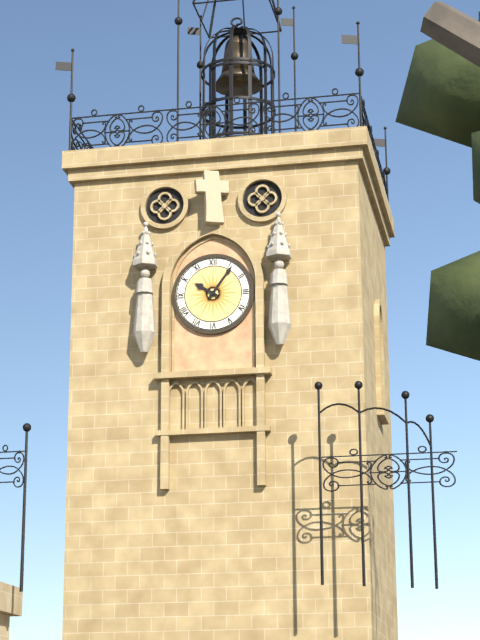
10:06
